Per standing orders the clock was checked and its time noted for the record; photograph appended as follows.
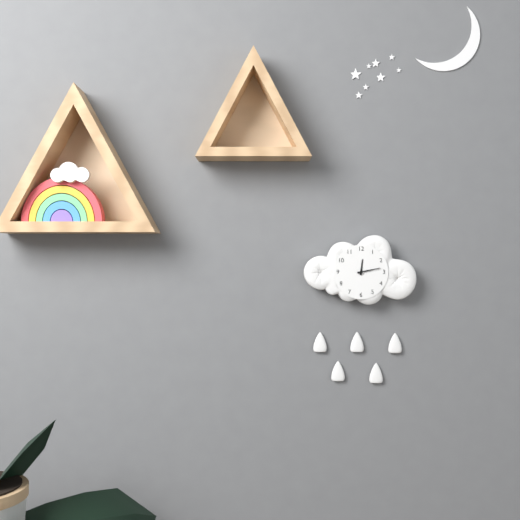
12:13
